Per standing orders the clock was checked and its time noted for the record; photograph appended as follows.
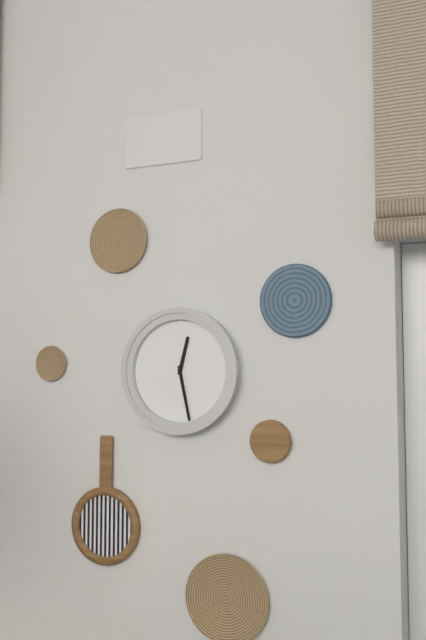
12:28
